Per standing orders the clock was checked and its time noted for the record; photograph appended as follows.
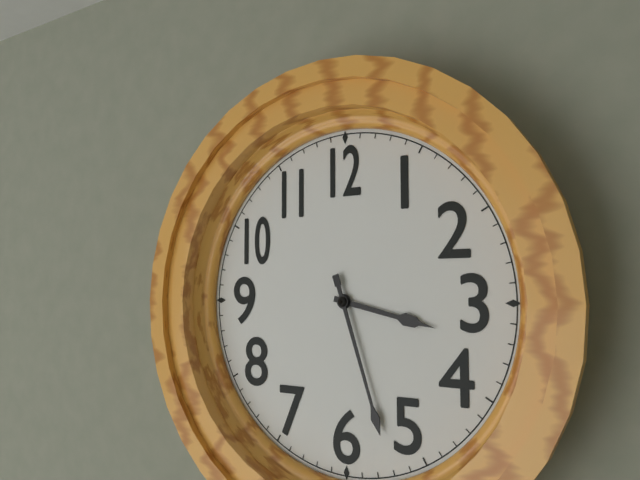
3:27
